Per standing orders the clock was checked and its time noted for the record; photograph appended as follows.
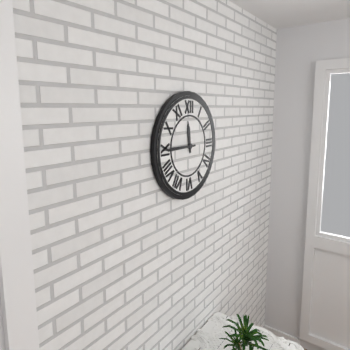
11:45
